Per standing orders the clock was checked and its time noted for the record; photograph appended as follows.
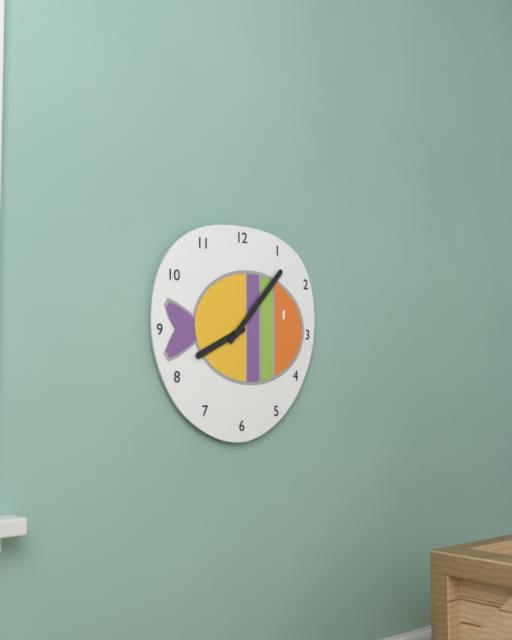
8:07
